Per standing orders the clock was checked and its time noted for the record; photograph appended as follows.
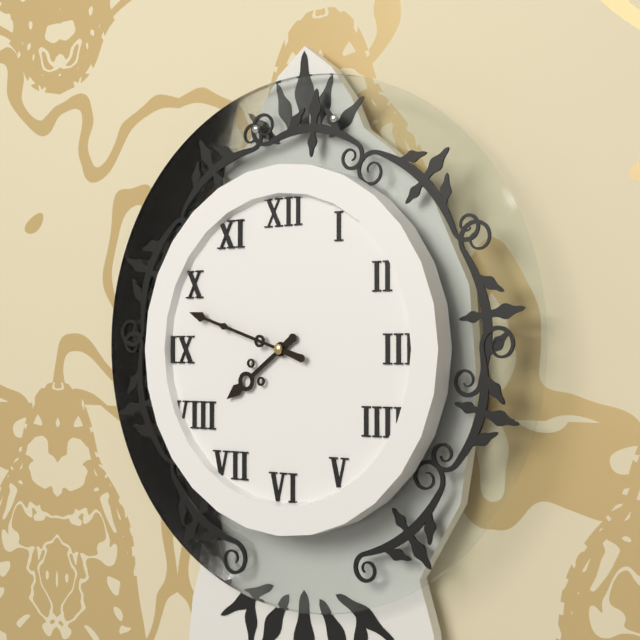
7:48
